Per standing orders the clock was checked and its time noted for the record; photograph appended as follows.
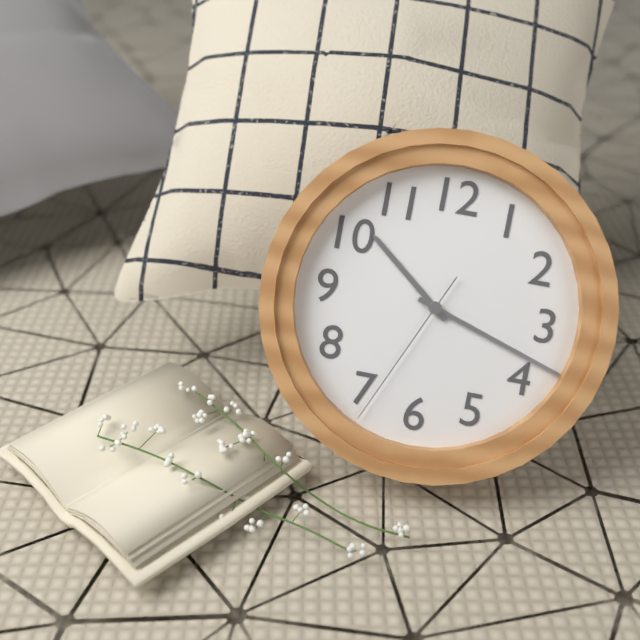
10:18:34
